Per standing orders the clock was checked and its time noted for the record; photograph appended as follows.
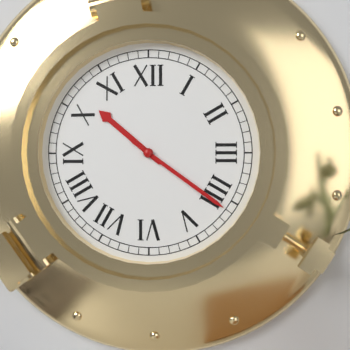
10:21
